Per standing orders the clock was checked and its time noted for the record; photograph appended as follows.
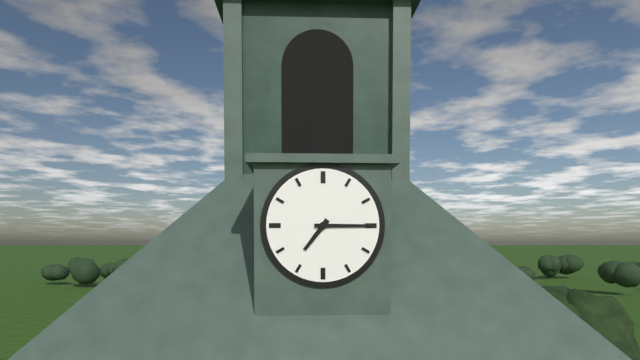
7:15
